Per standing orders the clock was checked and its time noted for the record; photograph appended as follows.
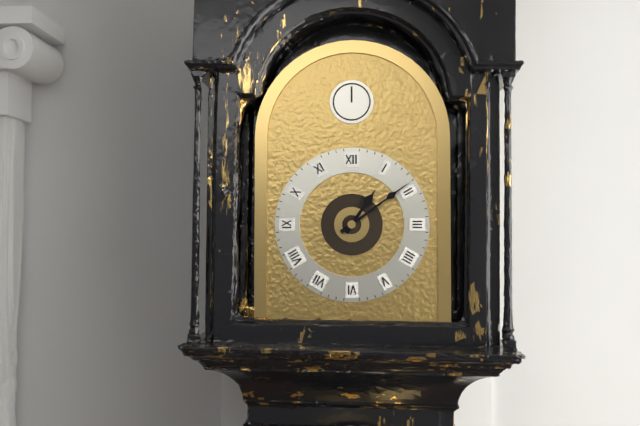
1:09
